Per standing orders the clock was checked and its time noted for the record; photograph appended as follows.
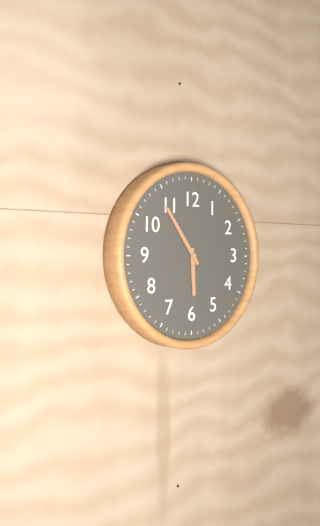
5:54
